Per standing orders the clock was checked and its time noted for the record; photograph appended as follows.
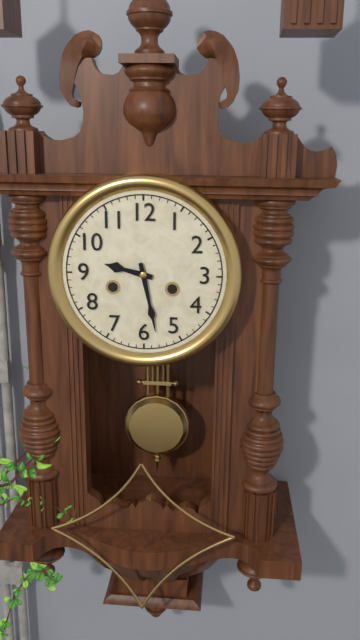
9:28
